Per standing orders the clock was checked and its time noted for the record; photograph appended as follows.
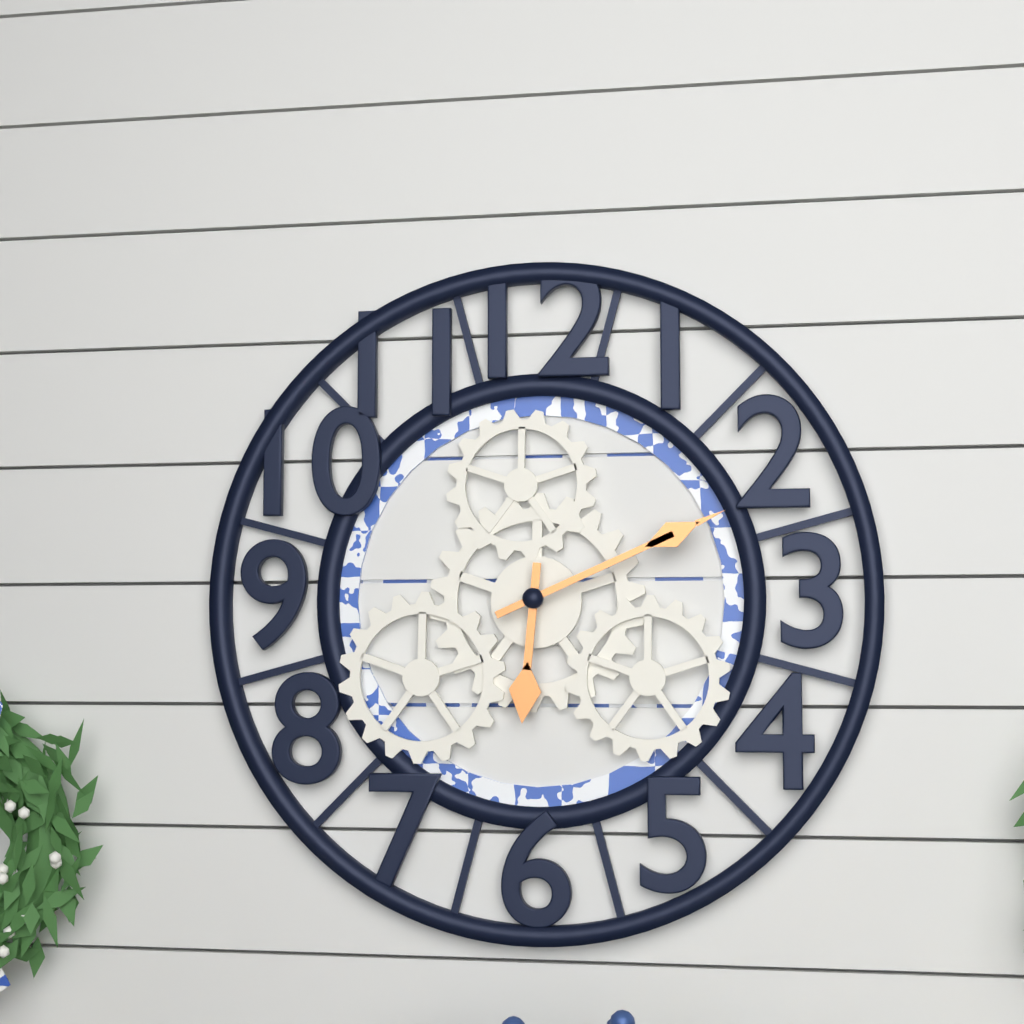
6:11
